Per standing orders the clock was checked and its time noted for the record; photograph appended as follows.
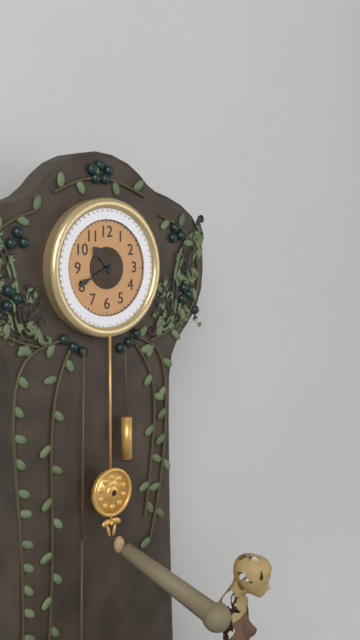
10:41
